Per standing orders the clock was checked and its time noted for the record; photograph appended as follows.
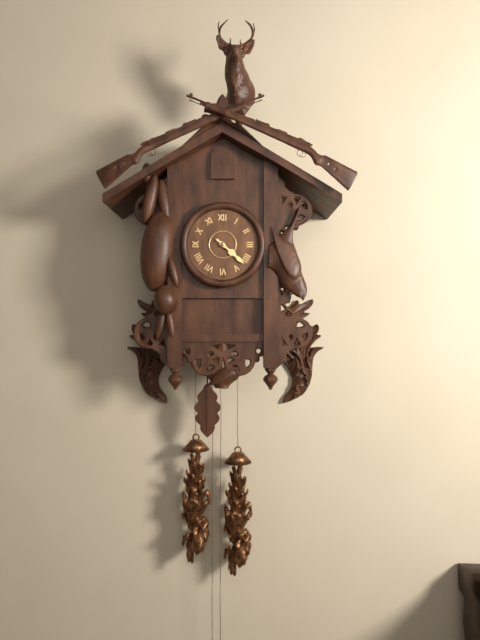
4:22
